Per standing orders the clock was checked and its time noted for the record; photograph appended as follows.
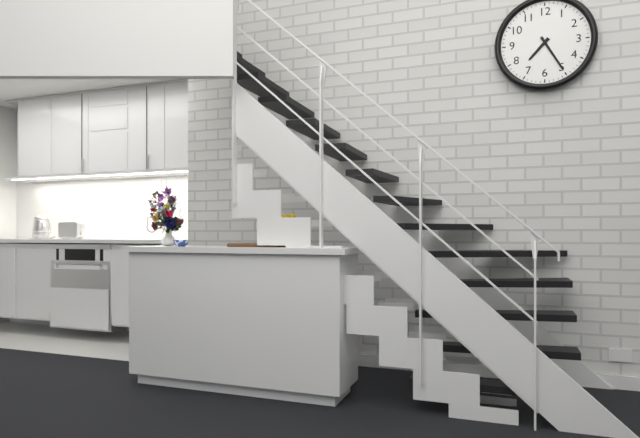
7:25
